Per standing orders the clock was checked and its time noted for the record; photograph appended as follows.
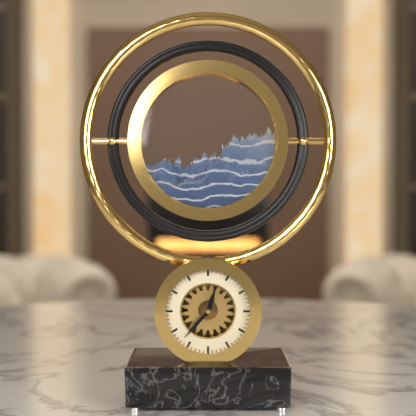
12:37
